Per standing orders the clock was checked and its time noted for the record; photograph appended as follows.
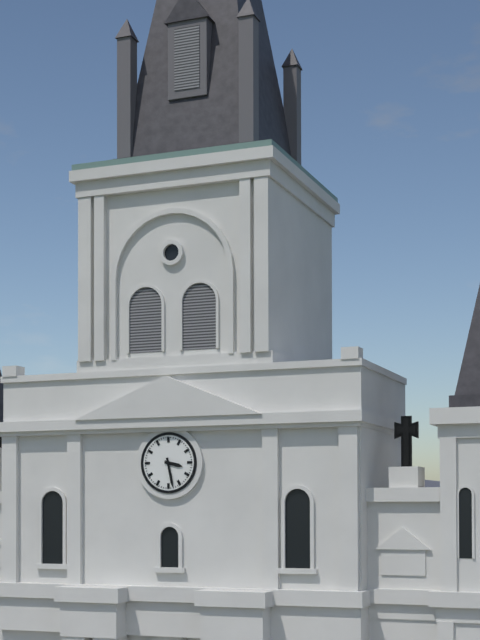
3:28
